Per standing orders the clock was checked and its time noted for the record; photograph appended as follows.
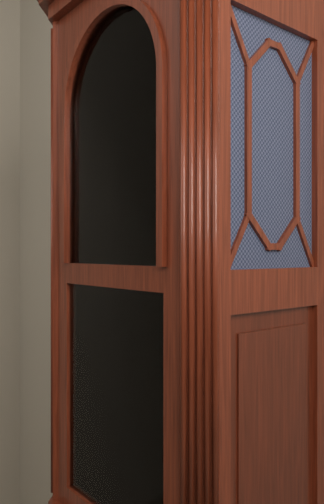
4:18
